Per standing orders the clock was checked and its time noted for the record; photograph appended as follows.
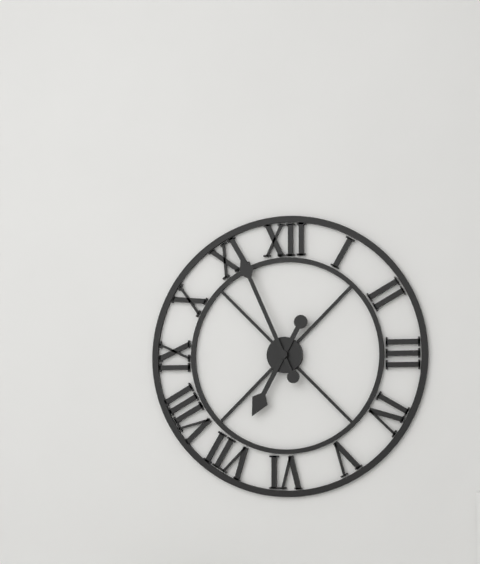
6:56
